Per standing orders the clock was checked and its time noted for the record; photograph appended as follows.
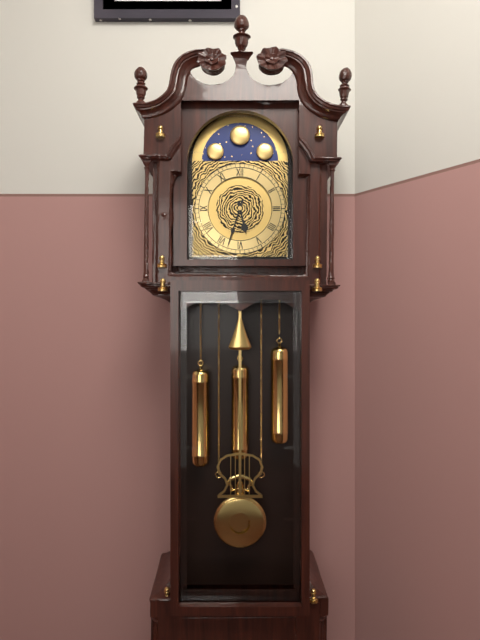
5:33
